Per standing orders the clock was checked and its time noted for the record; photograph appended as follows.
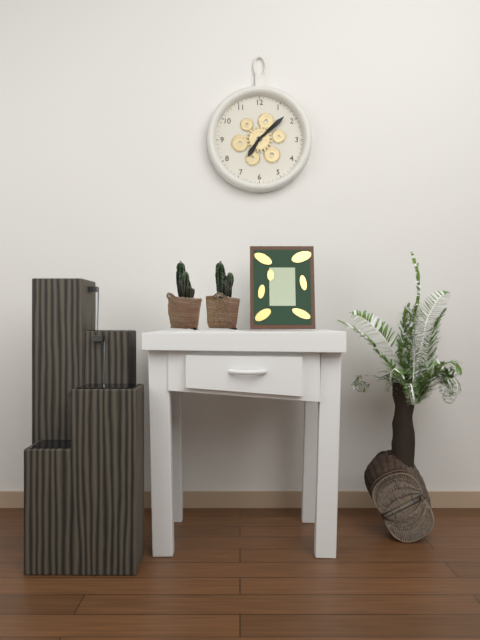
7:08
